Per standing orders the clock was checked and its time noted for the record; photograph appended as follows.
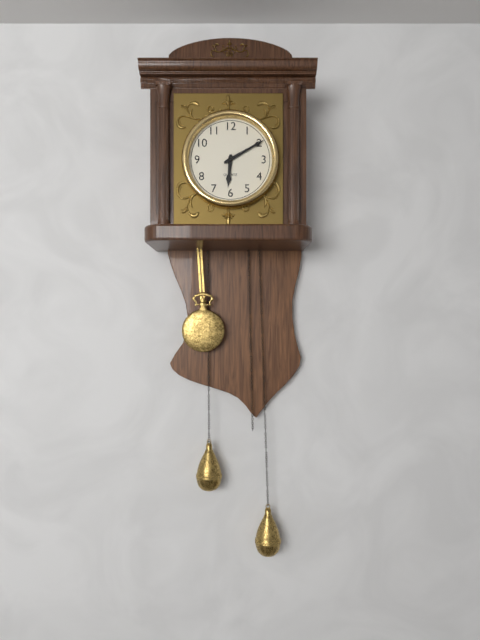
6:10
